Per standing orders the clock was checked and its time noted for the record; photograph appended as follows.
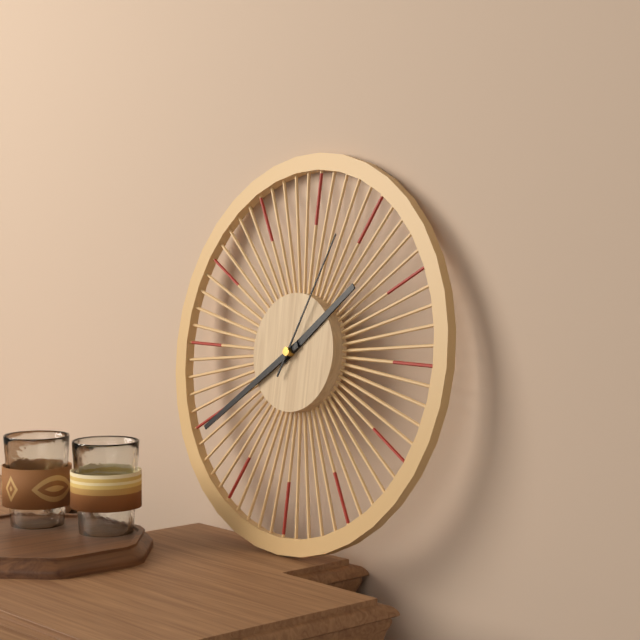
1:39:04
